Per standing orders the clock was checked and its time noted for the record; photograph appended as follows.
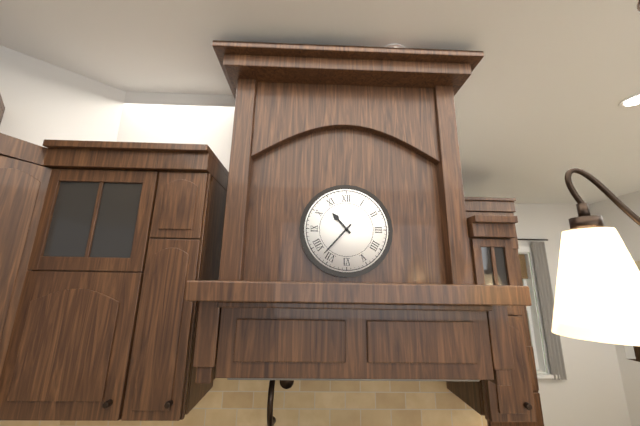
10:37
